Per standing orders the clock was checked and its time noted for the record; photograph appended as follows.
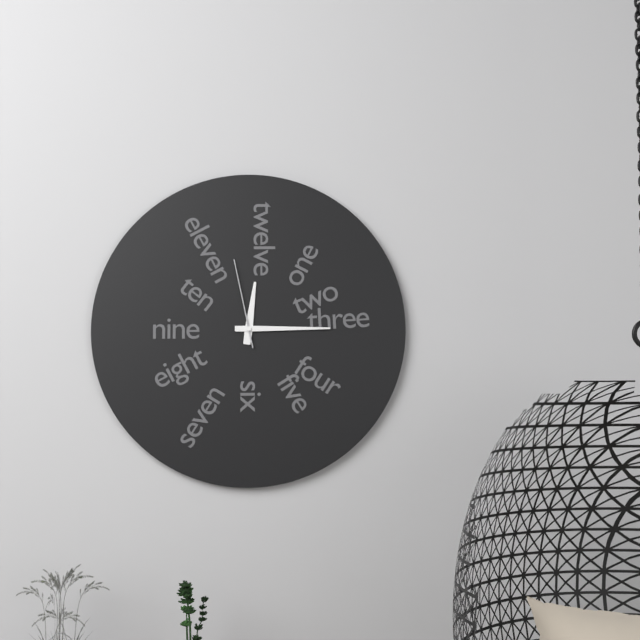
12:15:58
